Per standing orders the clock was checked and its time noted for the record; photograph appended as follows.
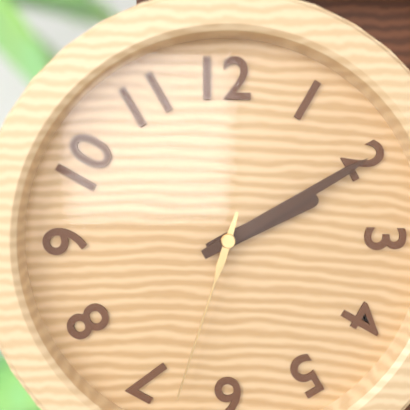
2:10:33
